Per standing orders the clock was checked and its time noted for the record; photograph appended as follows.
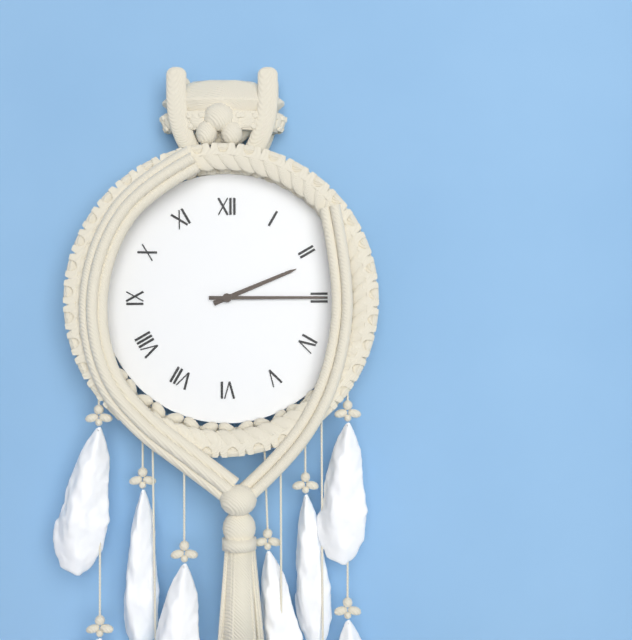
2:15
